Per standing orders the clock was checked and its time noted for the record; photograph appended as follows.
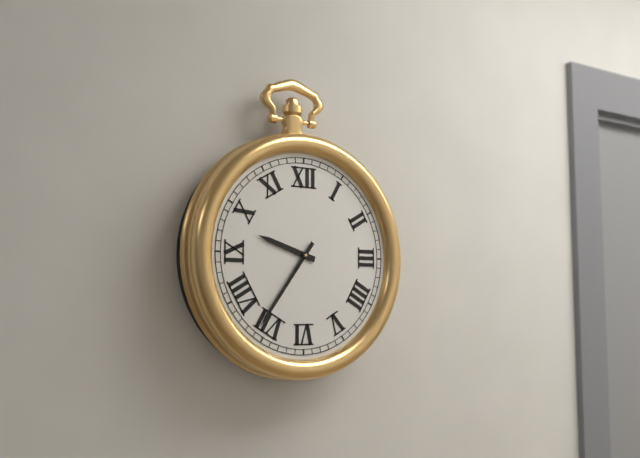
9:36
